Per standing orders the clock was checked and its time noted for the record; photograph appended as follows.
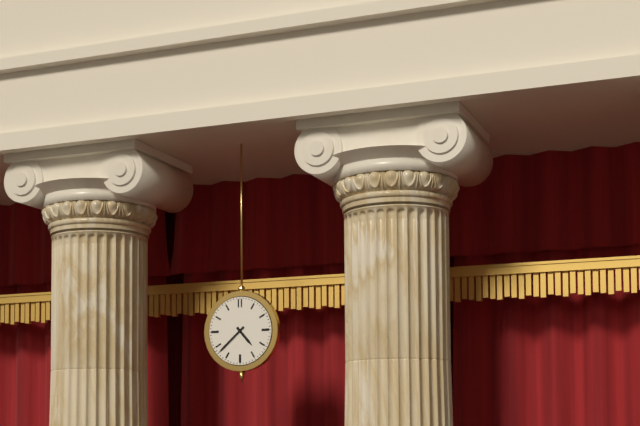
4:38
